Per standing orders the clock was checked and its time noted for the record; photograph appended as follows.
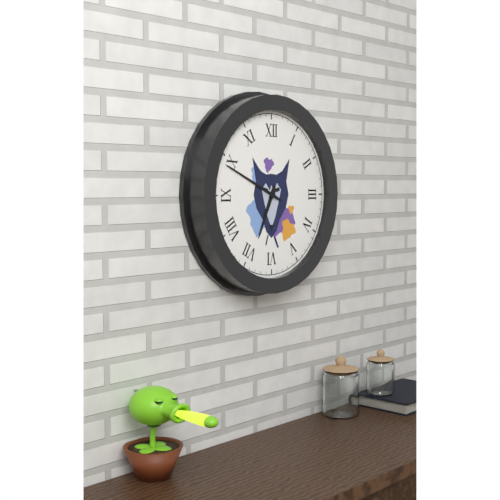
6:49
